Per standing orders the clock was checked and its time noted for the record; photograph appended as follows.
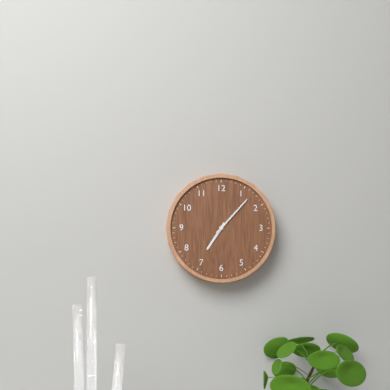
7:07
